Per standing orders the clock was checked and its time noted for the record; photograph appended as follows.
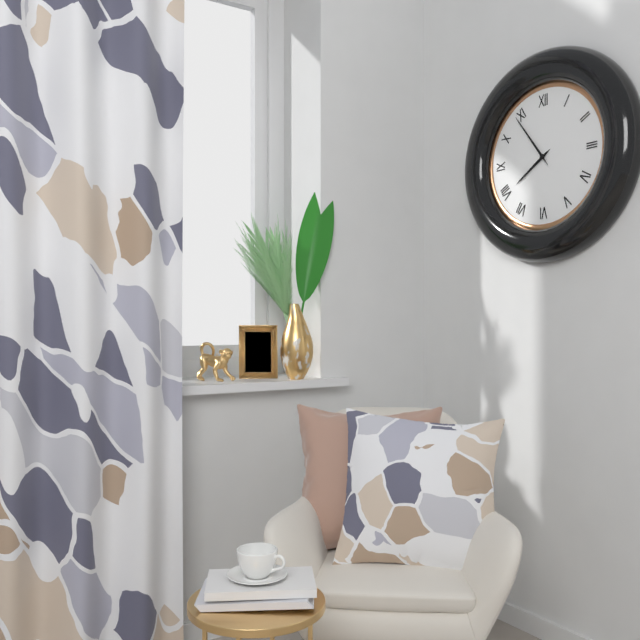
7:54
